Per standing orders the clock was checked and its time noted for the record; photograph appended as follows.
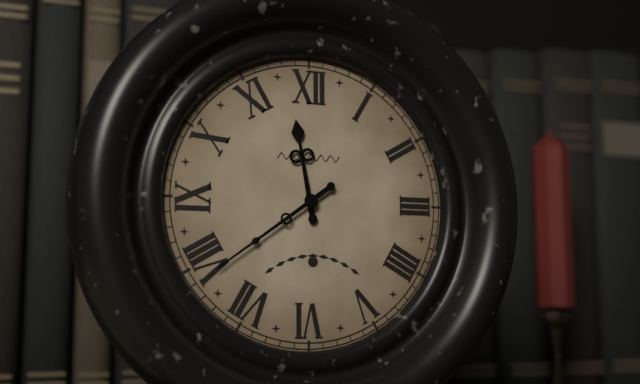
11:39
